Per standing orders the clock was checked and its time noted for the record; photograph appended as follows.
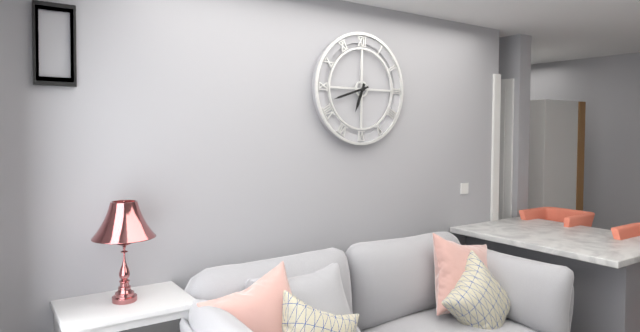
6:42
